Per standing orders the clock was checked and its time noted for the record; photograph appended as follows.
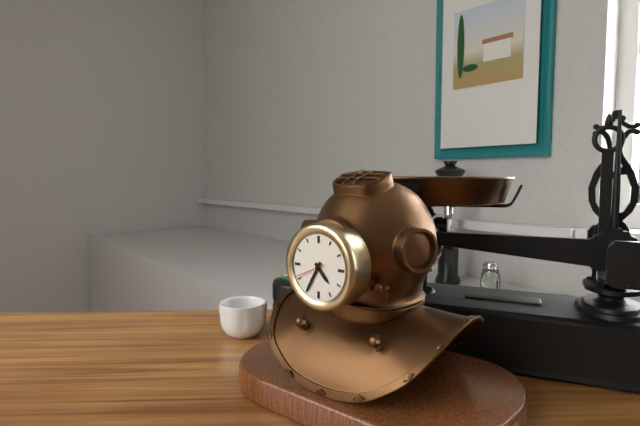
4:35
